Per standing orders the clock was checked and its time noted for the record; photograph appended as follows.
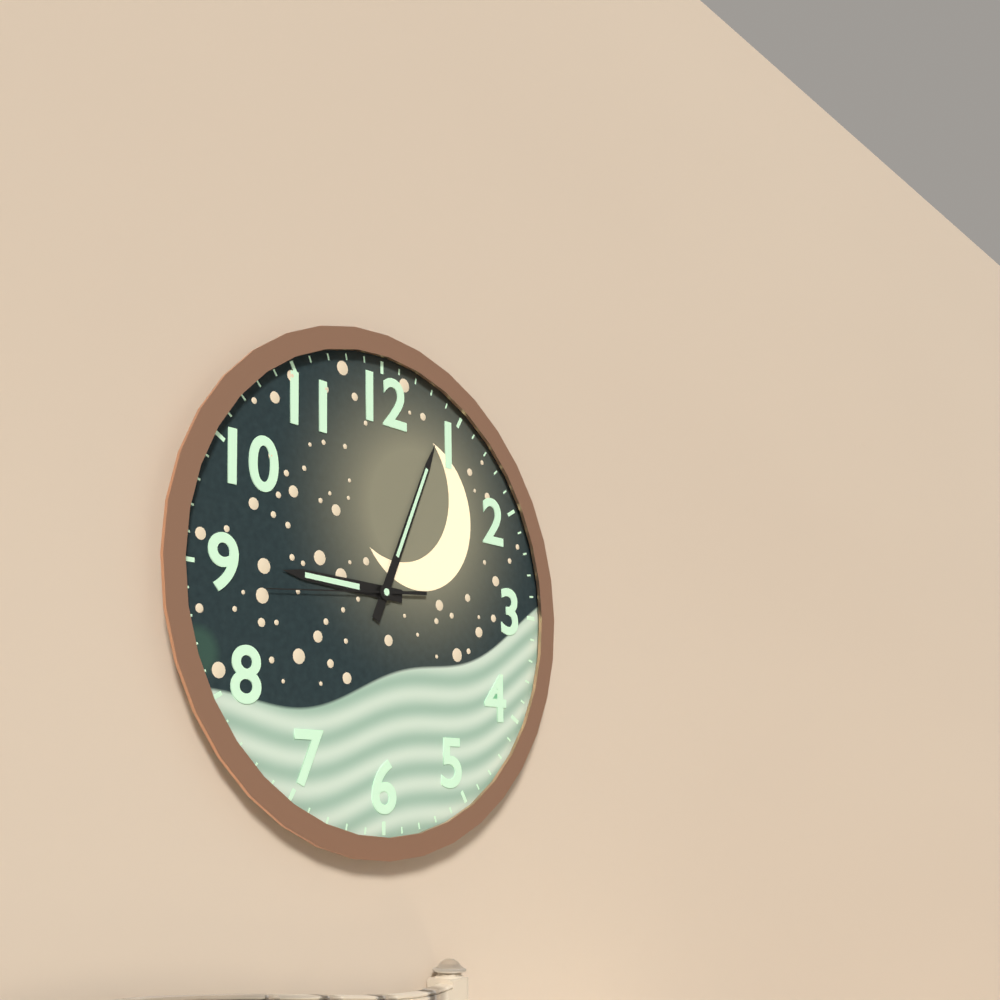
9:04:44
